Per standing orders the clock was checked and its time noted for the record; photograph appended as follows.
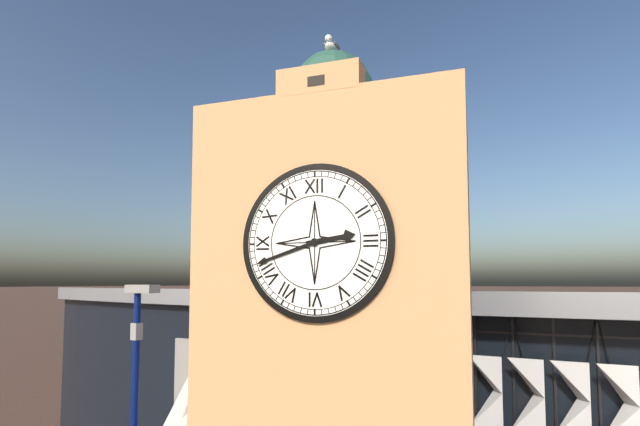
2:42
